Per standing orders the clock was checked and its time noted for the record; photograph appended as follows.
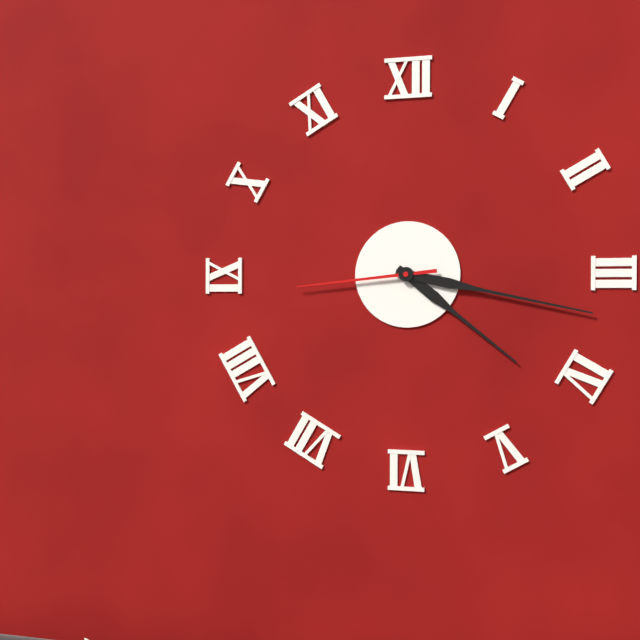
4:17:44
